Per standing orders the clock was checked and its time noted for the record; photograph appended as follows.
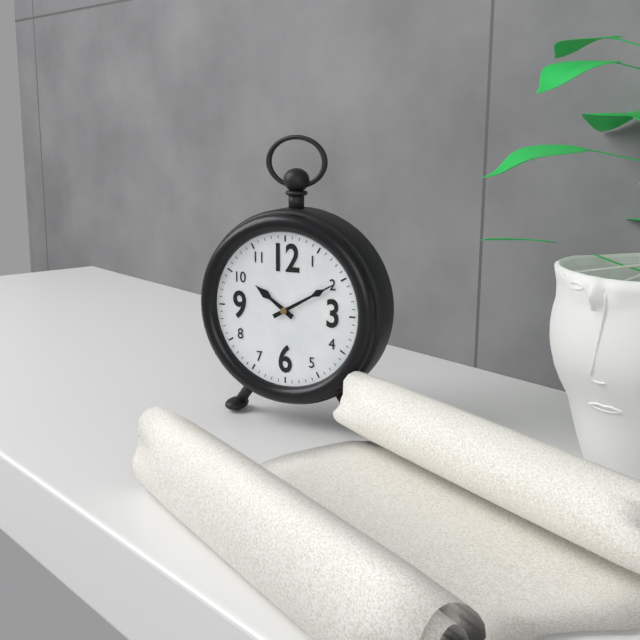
10:10
